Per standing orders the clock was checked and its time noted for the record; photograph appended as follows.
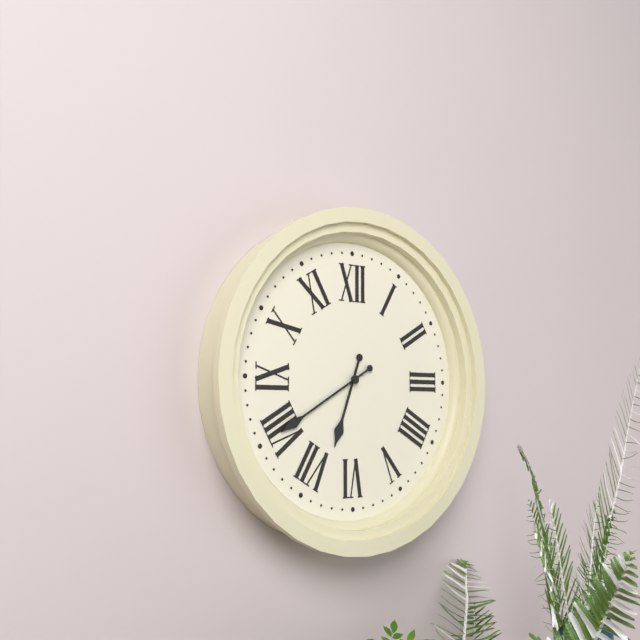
6:40
